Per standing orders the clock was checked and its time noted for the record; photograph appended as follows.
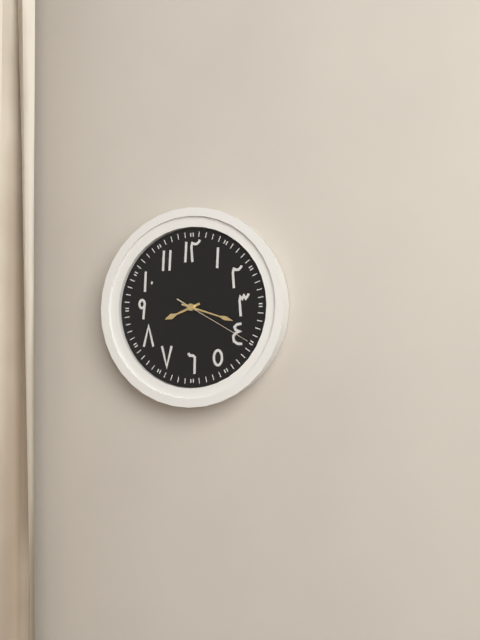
8:18:20
